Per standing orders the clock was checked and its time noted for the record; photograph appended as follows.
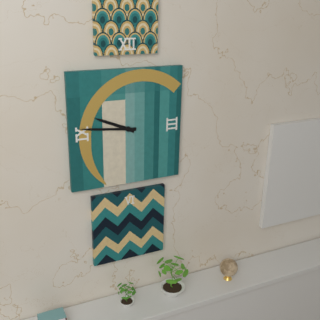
9:46
